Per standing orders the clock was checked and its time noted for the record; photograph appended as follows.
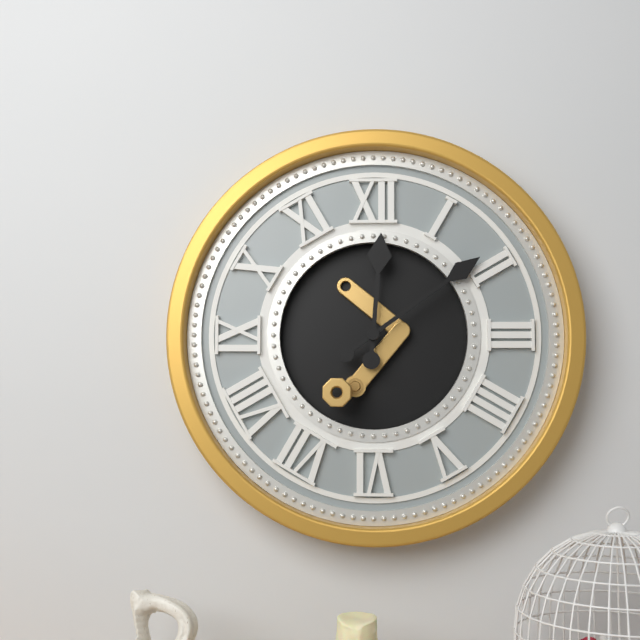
12:09
